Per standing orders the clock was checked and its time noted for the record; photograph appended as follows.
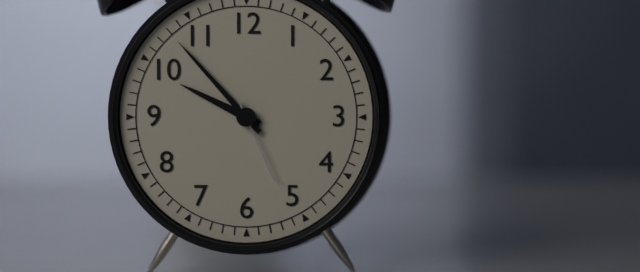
9:53:26
